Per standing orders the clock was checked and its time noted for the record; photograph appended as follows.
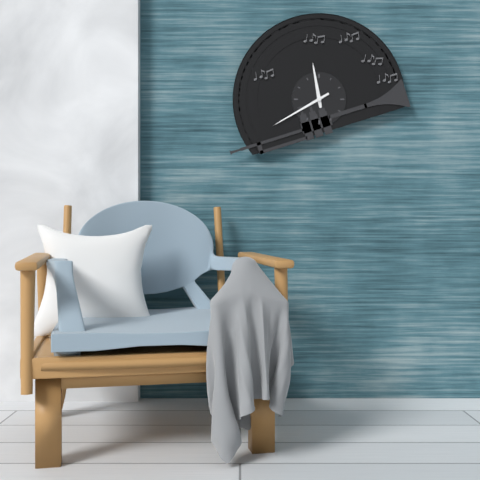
11:40
